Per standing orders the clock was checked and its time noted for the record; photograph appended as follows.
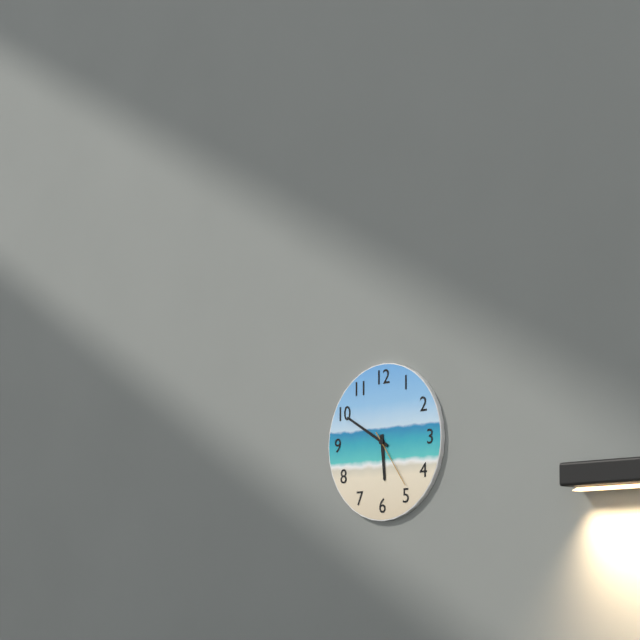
5:50:24
